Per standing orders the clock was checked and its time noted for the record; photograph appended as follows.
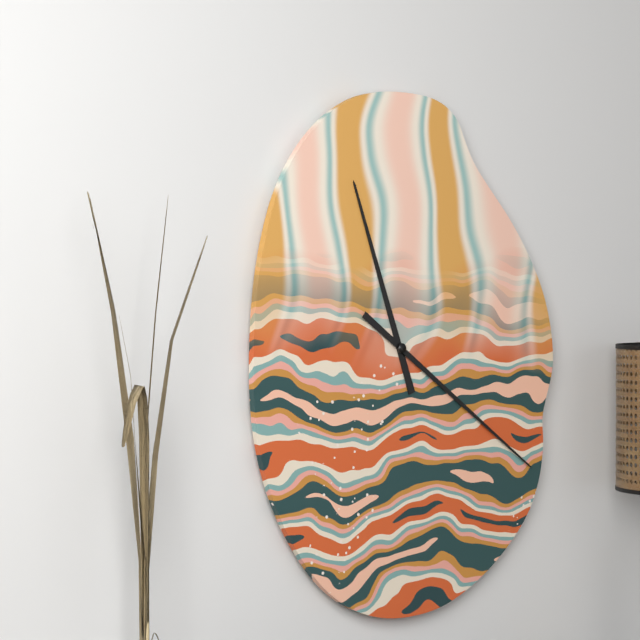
11:21
